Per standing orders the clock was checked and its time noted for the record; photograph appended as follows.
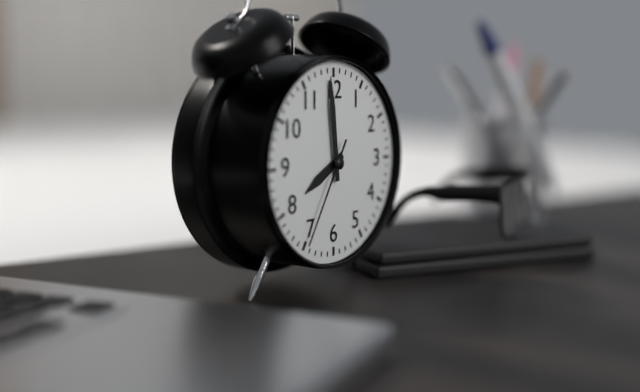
7:59:35
